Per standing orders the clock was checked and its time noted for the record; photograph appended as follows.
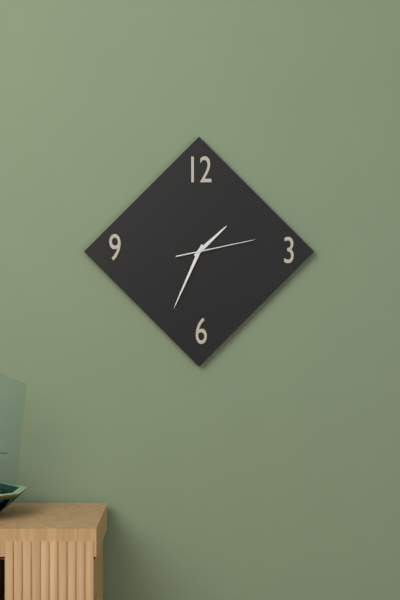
1:34:13
